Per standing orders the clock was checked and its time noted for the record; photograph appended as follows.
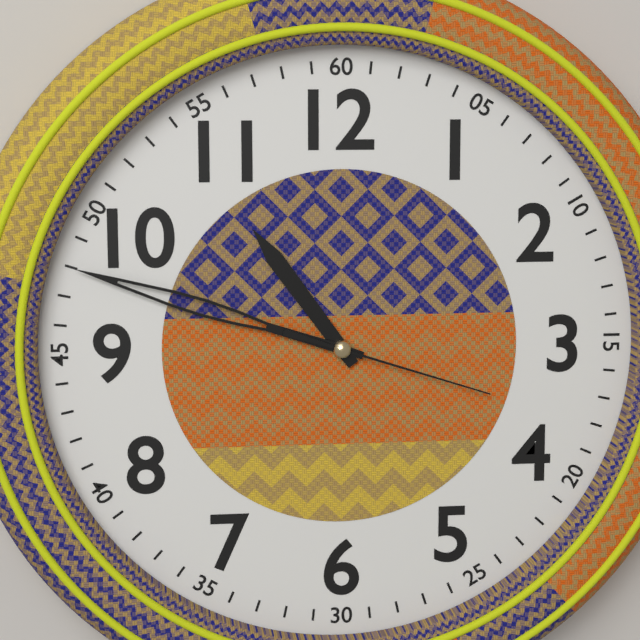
10:48:18
